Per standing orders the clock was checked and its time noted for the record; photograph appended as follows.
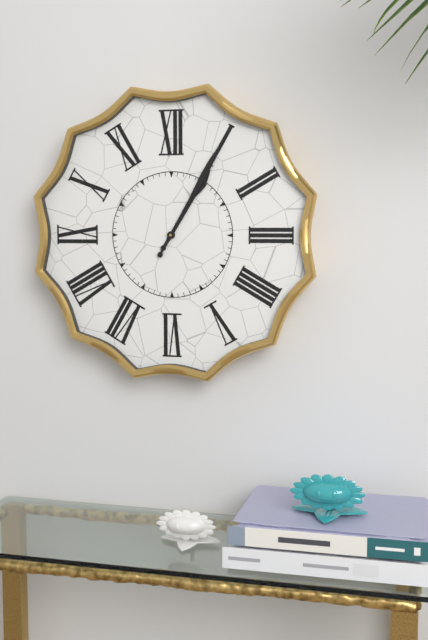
1:05
